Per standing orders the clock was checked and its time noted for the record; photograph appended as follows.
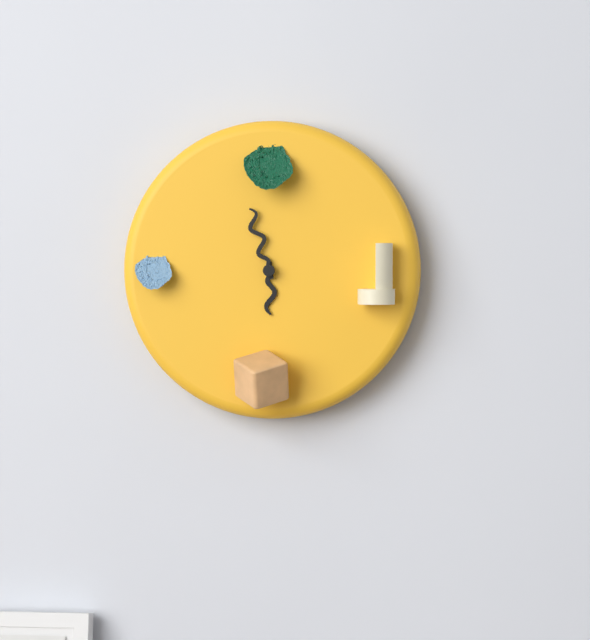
5:57
